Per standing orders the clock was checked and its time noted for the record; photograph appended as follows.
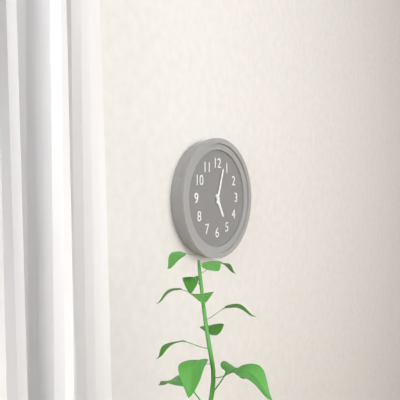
5:03
